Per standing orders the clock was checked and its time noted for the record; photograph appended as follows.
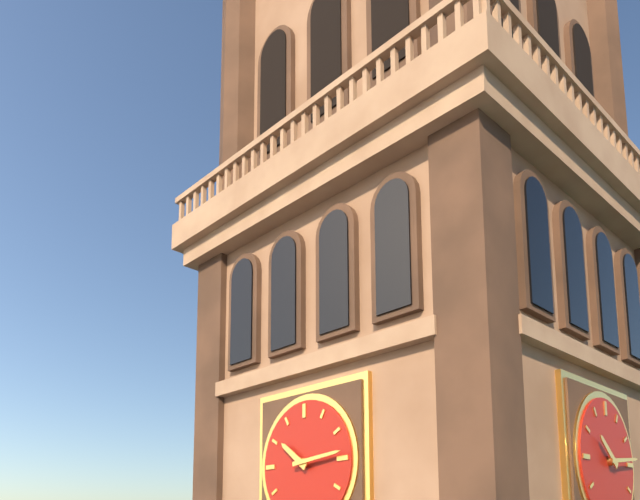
10:14
